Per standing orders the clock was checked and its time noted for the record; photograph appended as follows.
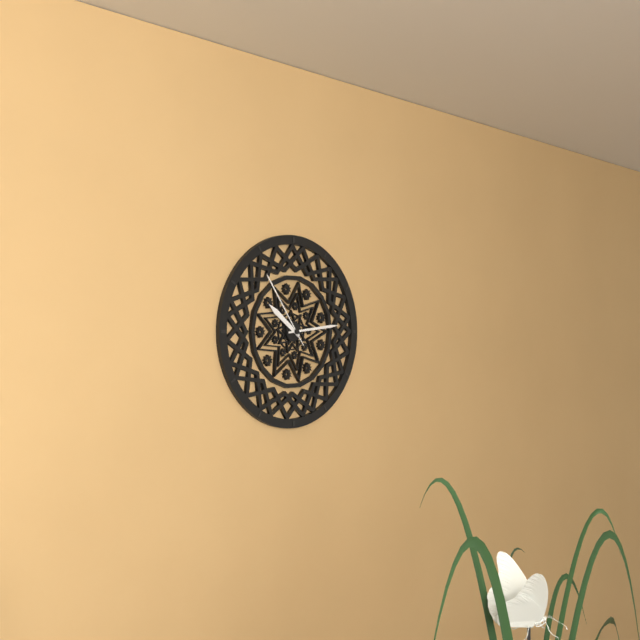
10:14:54
